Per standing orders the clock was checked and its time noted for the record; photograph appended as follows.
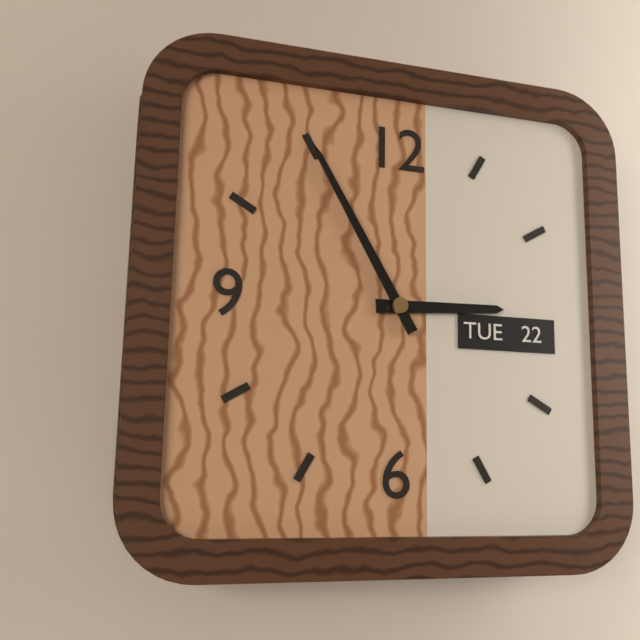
2:55
